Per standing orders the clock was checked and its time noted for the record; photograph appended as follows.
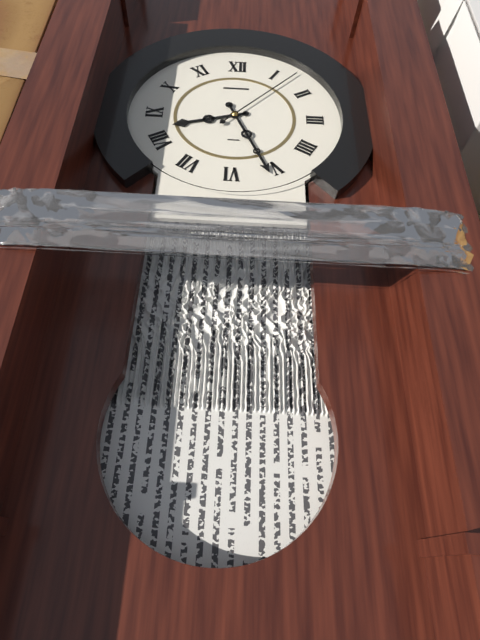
8:26:07
